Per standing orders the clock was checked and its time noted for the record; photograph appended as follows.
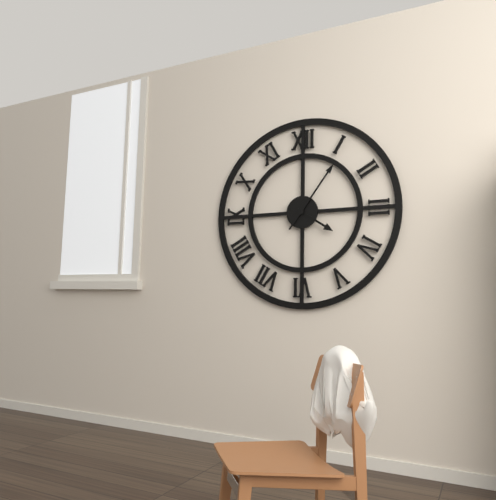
4:06
